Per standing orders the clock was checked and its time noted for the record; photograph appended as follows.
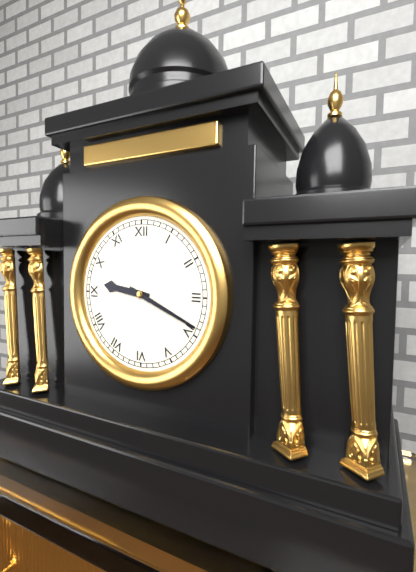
9:19
